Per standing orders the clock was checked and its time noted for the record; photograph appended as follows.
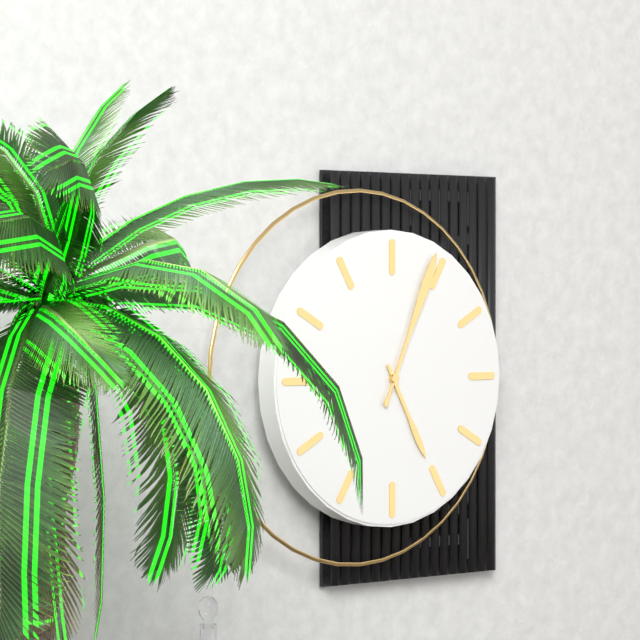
5:04
